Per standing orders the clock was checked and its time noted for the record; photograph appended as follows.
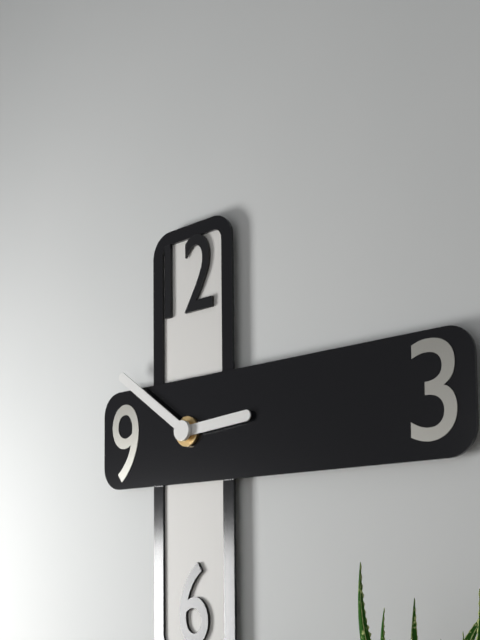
2:51
